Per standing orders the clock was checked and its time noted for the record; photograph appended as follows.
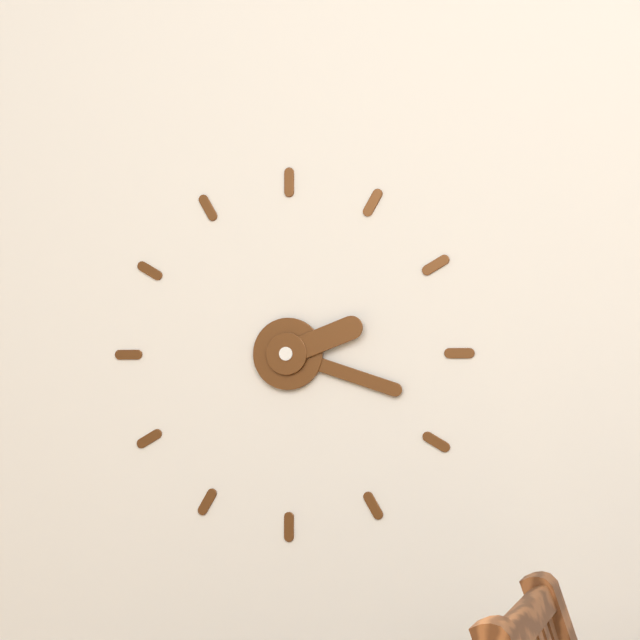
2:18
